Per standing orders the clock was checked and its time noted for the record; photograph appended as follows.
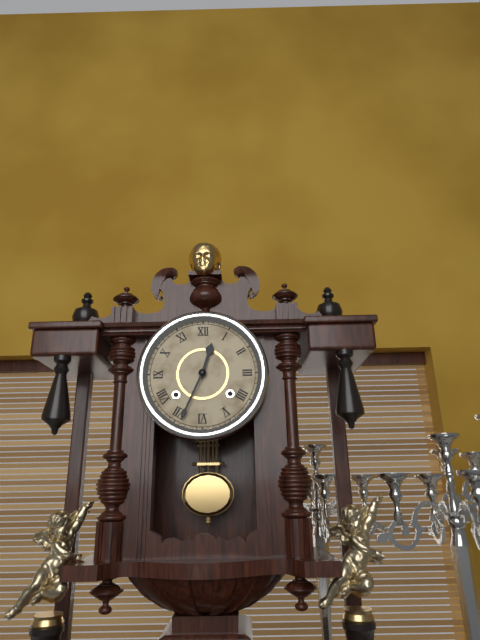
12:34
